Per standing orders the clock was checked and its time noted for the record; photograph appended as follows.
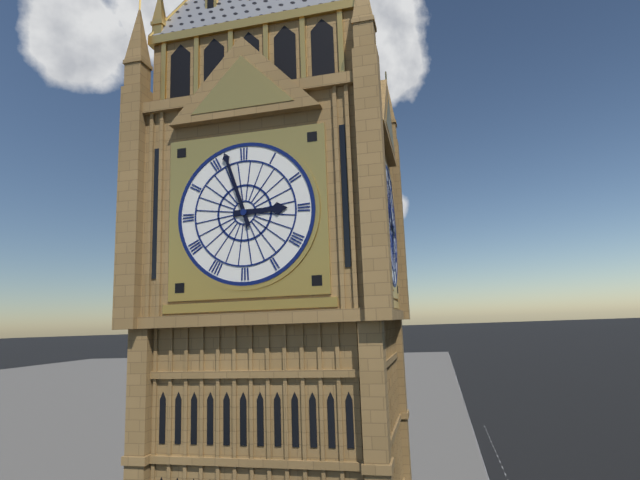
2:57
